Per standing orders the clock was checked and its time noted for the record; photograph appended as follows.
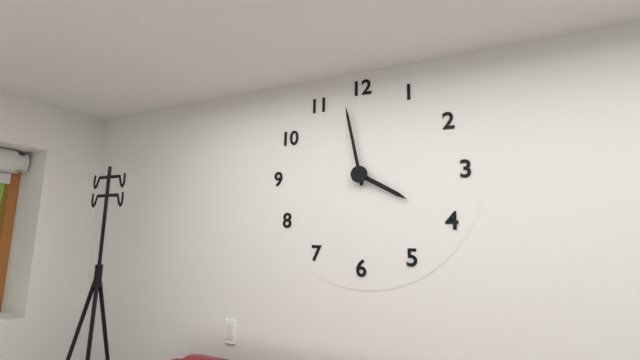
3:58
